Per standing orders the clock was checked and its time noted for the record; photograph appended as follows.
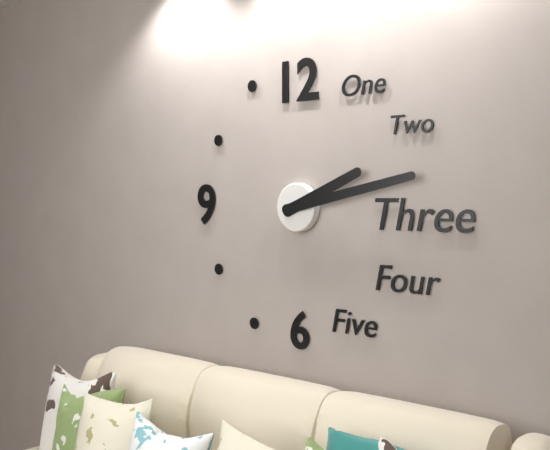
2:13
